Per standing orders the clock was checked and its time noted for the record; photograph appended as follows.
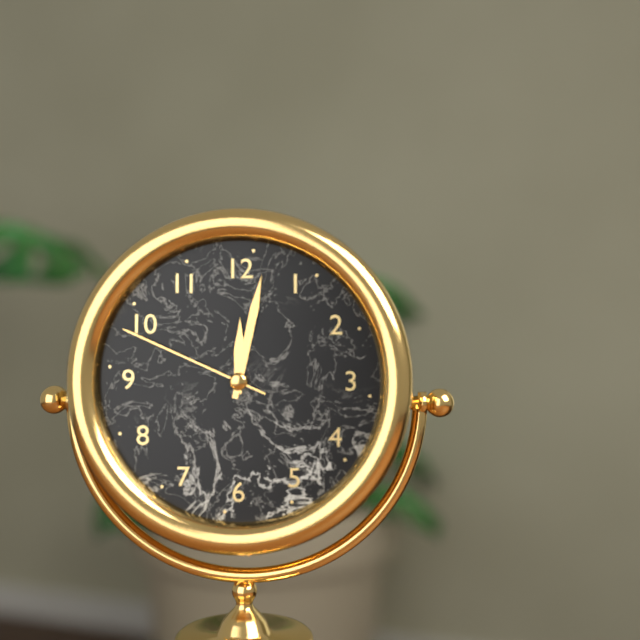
12:02:49
